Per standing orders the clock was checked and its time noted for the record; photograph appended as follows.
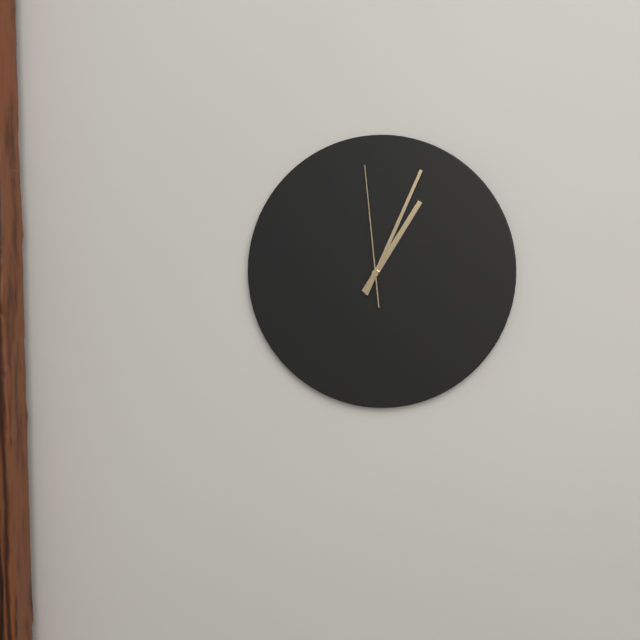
1:04:59
